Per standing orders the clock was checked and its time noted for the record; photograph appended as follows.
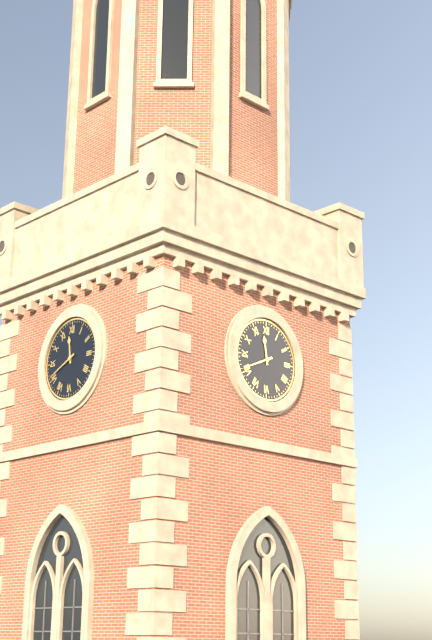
11:41
